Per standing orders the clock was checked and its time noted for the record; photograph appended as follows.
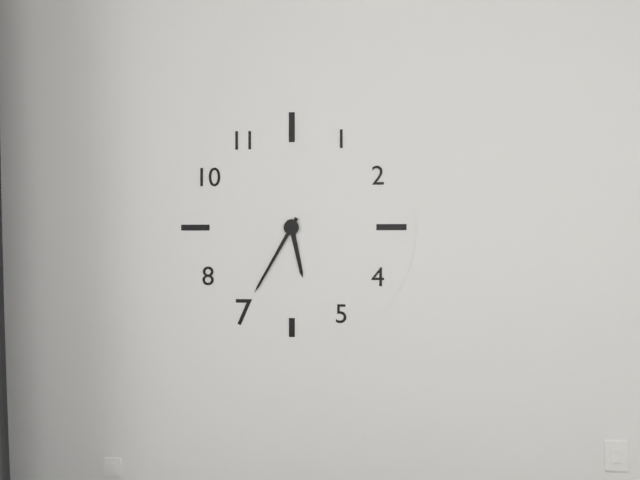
5:35
